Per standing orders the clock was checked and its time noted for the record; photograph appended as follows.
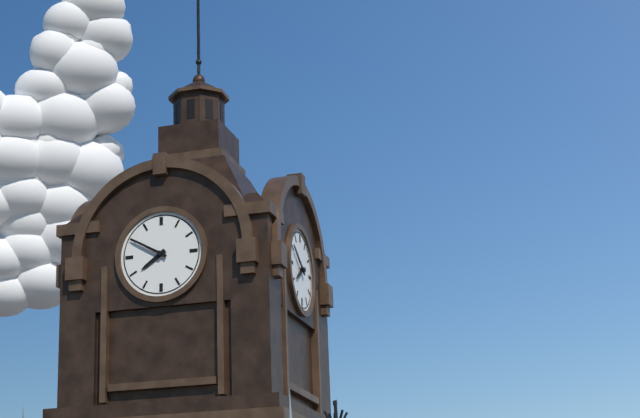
7:50
